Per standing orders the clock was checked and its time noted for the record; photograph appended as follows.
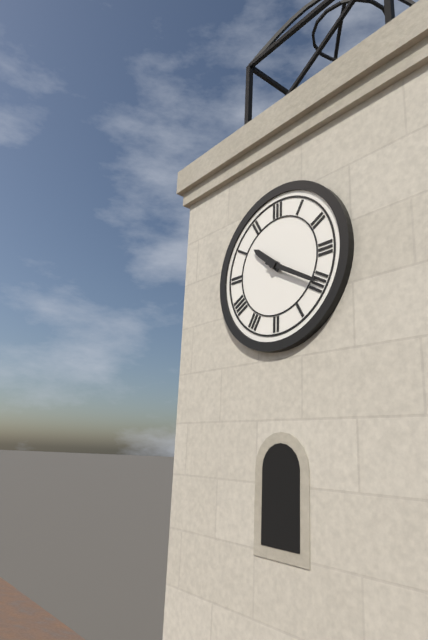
10:20
